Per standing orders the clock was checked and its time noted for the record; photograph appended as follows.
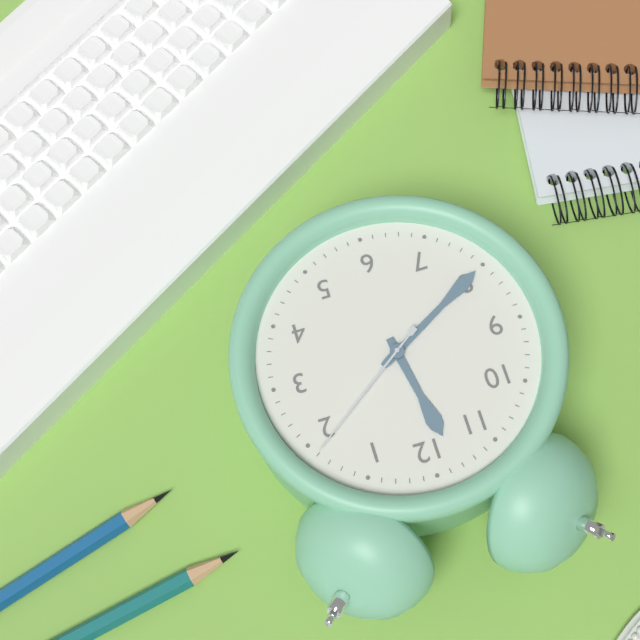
11:40:09
